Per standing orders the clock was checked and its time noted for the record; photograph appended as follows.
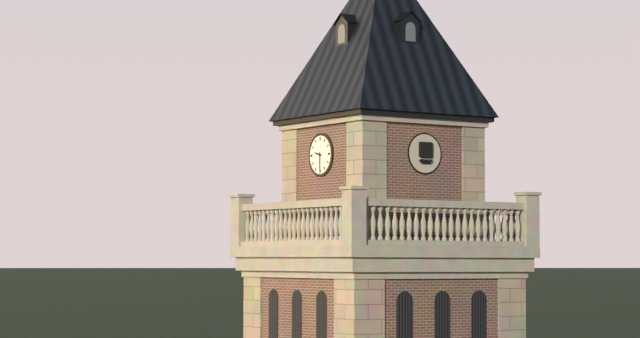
9:30
